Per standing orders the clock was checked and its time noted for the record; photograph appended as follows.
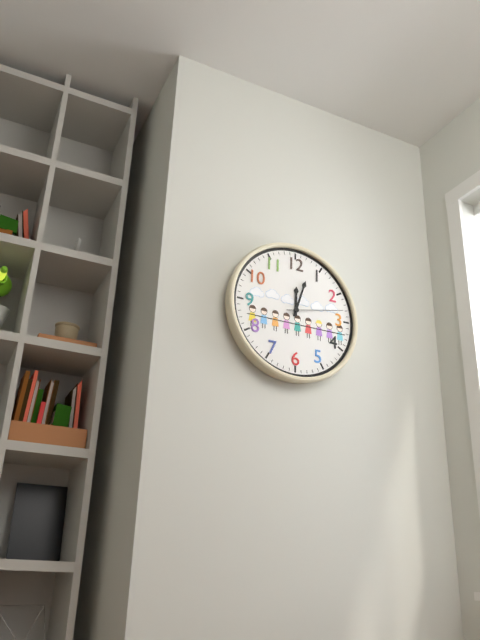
12:03:13
